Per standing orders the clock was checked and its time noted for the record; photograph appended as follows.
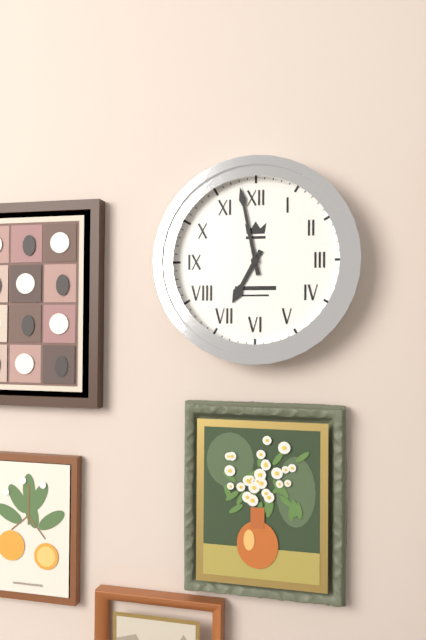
6:58
